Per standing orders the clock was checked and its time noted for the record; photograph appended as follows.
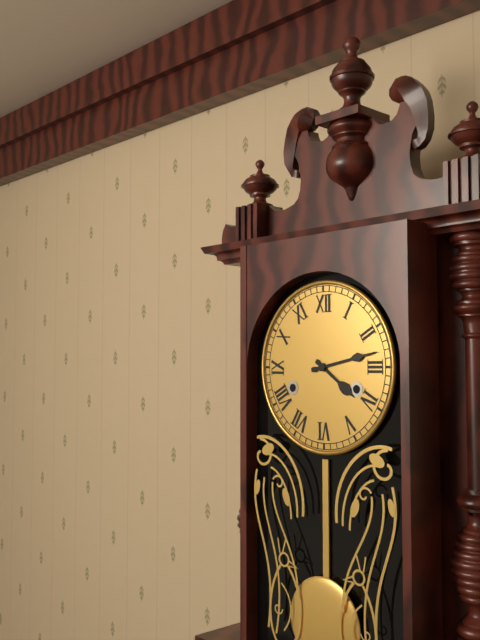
4:13
